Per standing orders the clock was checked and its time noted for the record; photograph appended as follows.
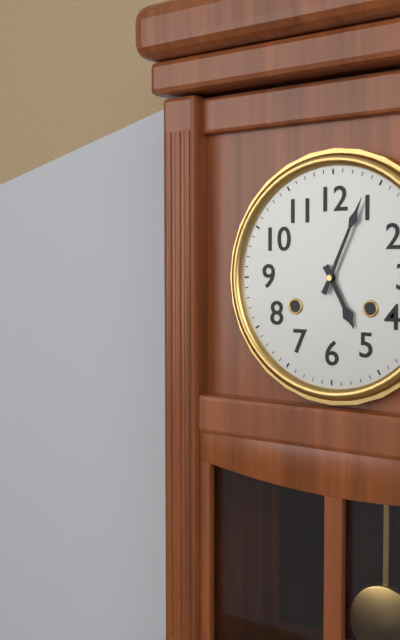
5:04
